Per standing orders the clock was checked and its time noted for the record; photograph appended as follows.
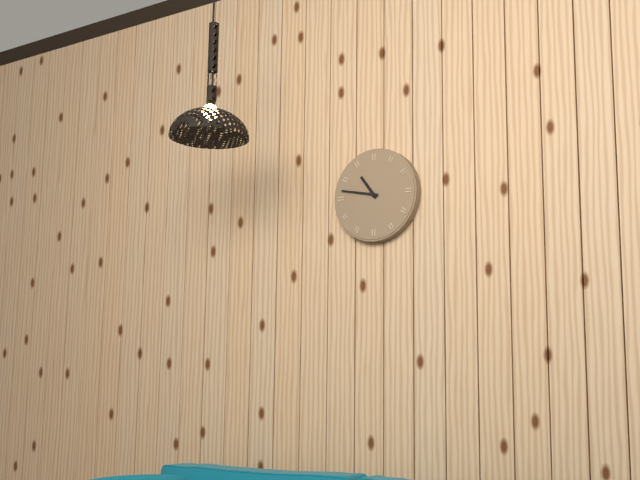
10:47
